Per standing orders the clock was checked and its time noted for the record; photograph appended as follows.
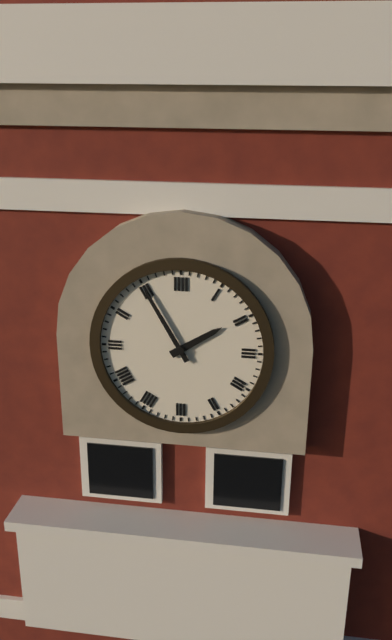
1:55
